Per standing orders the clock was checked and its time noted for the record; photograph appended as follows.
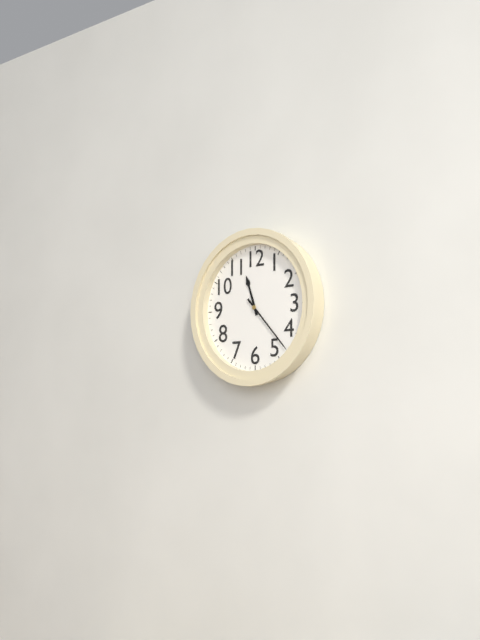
11:23
